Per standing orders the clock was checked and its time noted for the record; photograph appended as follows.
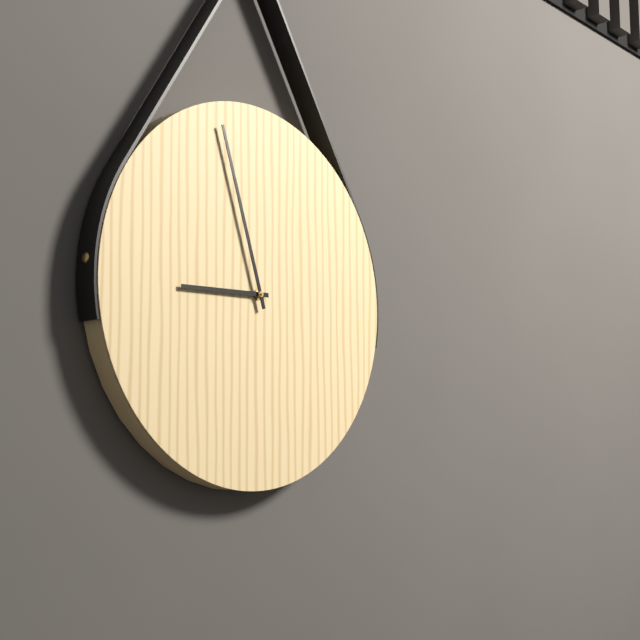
8:57
